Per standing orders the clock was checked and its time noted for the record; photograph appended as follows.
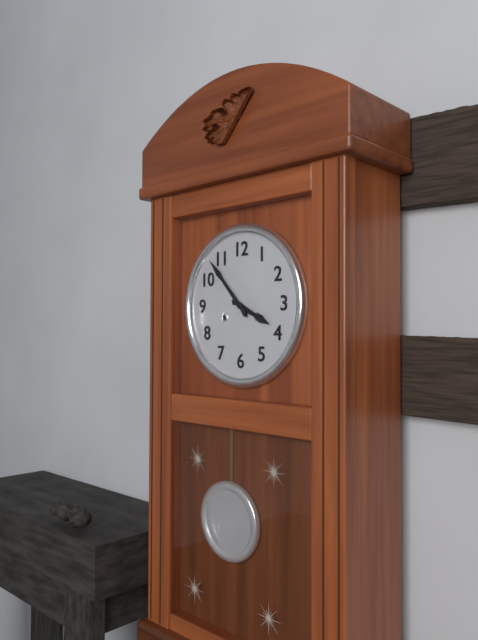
3:53
